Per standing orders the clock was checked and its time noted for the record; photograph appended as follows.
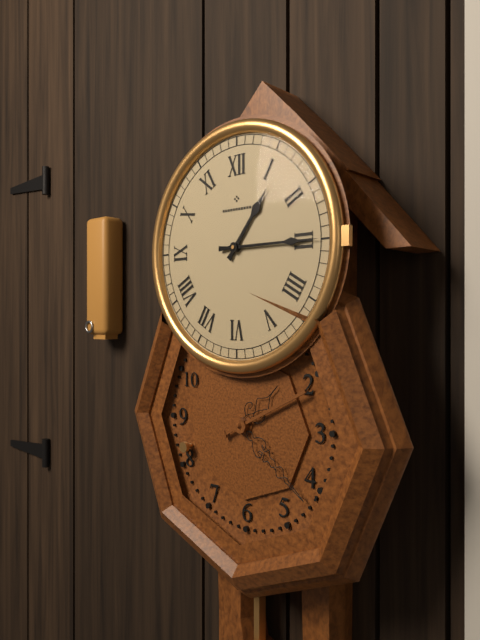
1:15
